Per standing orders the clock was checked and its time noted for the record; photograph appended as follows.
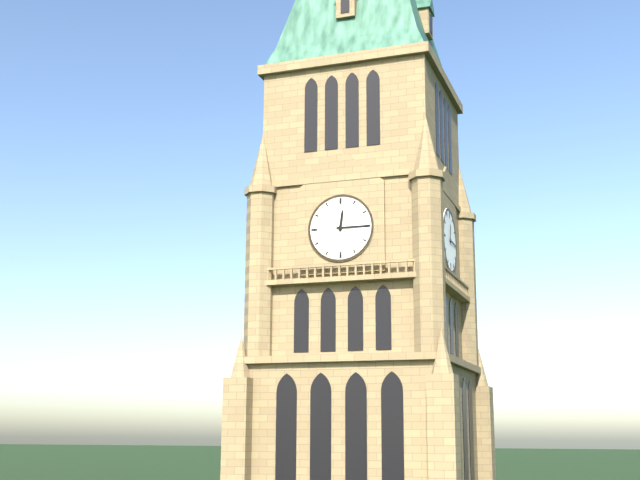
12:15
